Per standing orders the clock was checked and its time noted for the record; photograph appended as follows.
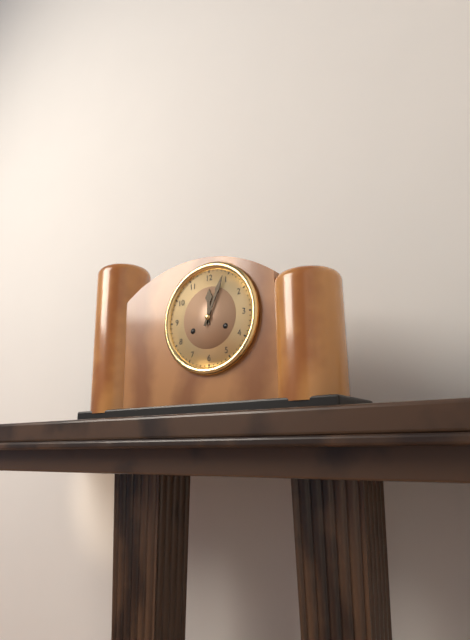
12:04
